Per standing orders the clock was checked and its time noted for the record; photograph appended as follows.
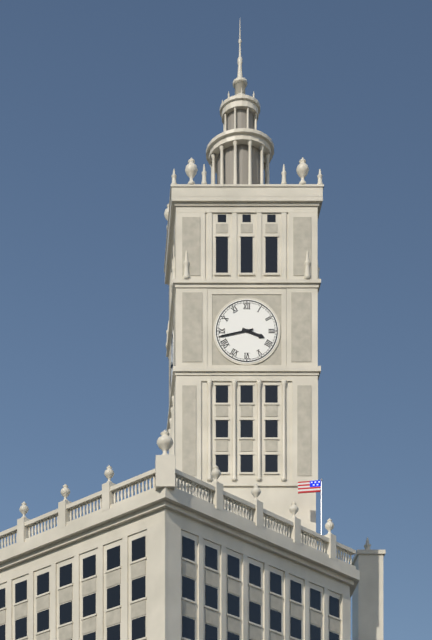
3:43
